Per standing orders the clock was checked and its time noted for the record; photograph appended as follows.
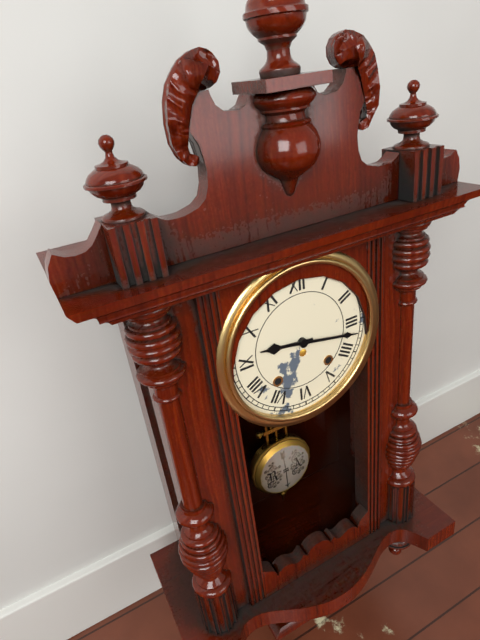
9:17
